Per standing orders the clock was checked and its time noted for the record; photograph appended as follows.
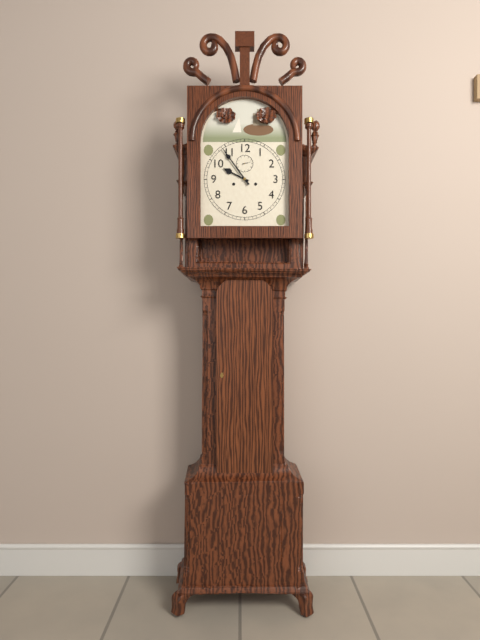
9:54
